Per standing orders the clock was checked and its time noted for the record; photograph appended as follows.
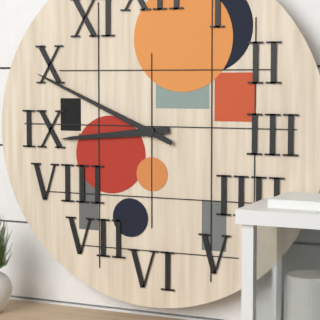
8:49
